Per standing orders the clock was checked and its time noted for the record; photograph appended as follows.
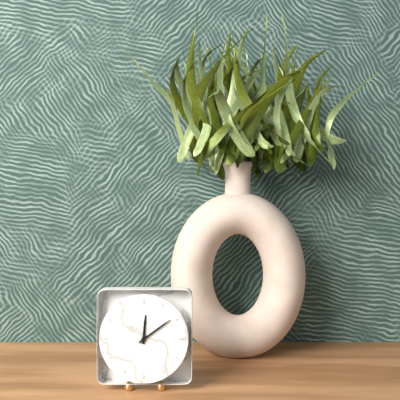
12:09
